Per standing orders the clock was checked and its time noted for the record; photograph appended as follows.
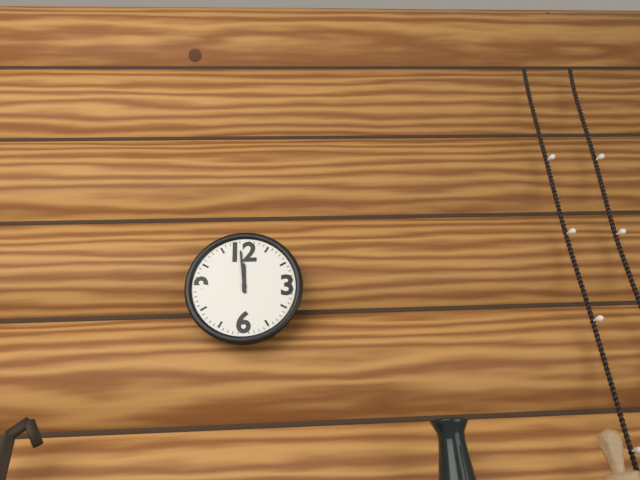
11:59
